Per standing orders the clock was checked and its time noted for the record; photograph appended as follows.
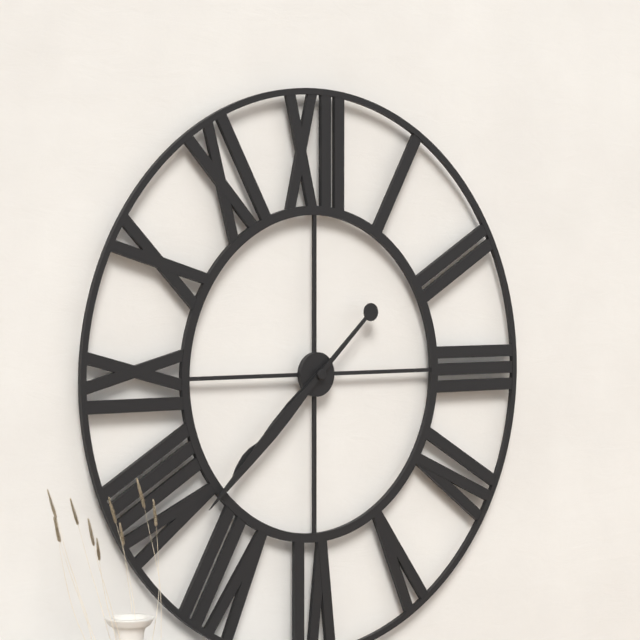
7:38
